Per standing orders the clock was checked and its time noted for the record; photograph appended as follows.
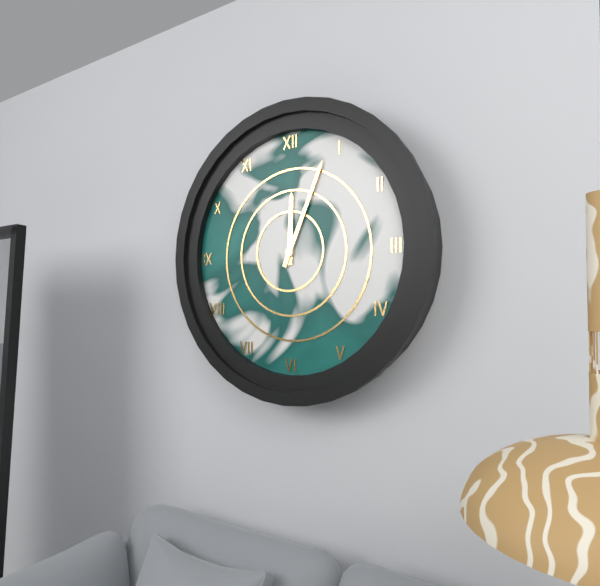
12:04
